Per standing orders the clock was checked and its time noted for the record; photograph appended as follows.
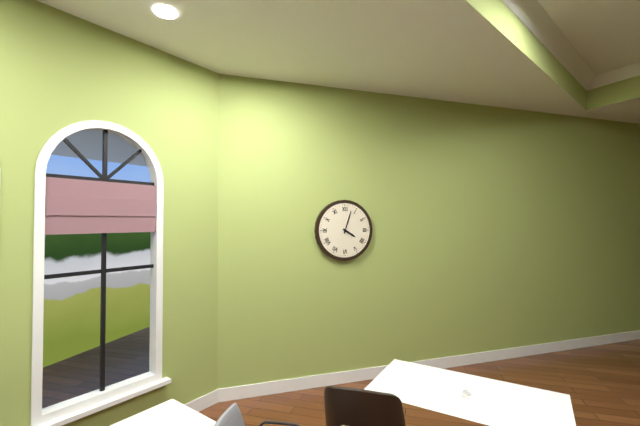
4:03
